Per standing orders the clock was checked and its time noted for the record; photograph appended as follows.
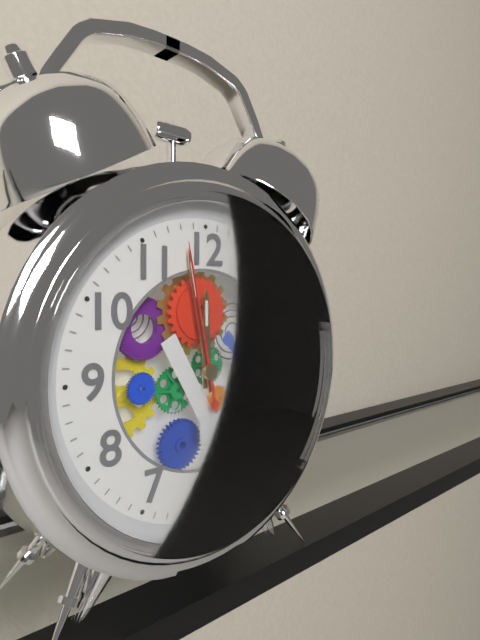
11:58:58
